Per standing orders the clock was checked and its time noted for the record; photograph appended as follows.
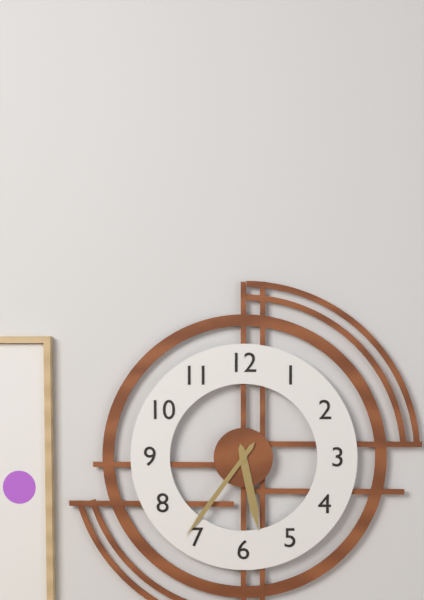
5:36
